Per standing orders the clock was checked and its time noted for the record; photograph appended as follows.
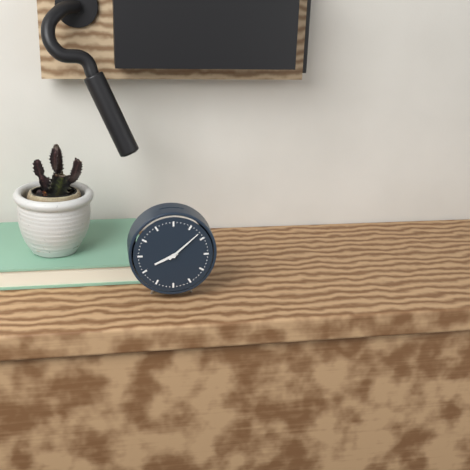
8:08
